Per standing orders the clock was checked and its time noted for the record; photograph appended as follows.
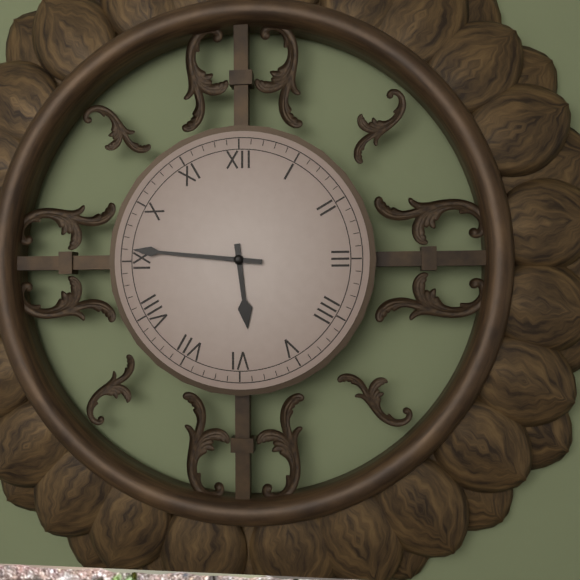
5:46
